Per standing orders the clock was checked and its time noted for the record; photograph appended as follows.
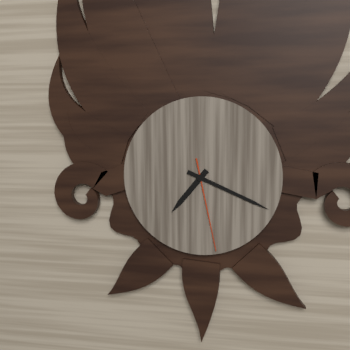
7:19:28
